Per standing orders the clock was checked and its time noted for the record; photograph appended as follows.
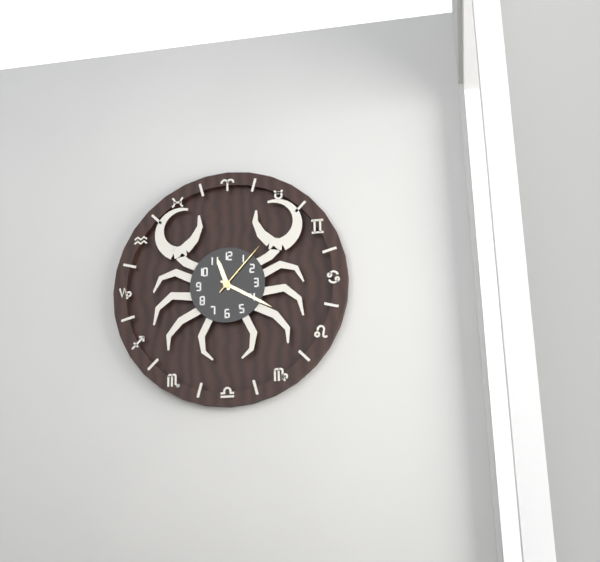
11:20:07
